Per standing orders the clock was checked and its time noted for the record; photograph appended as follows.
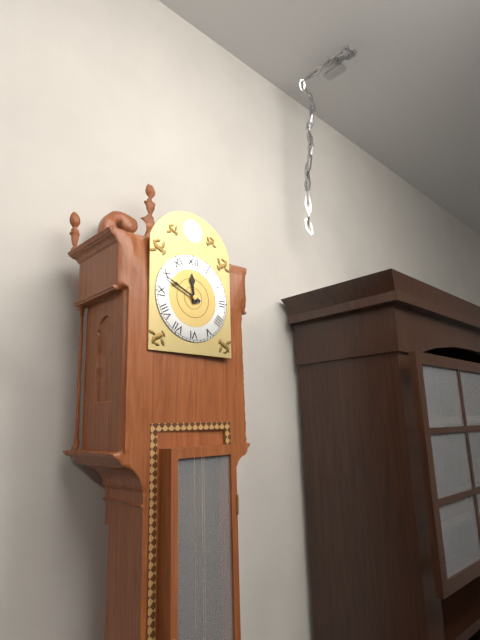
11:49
